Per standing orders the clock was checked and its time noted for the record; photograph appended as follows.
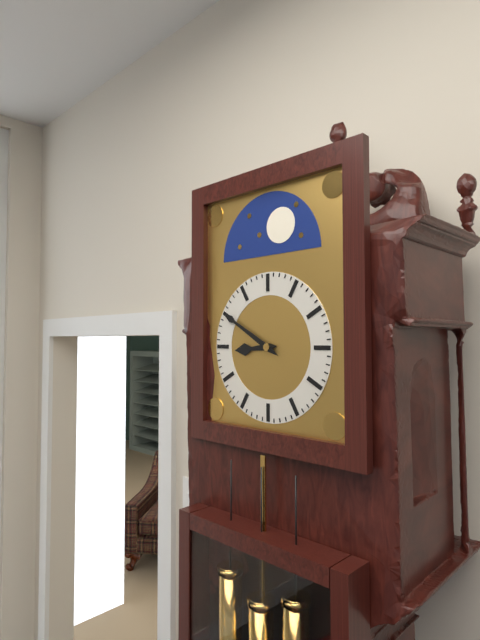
8:50
